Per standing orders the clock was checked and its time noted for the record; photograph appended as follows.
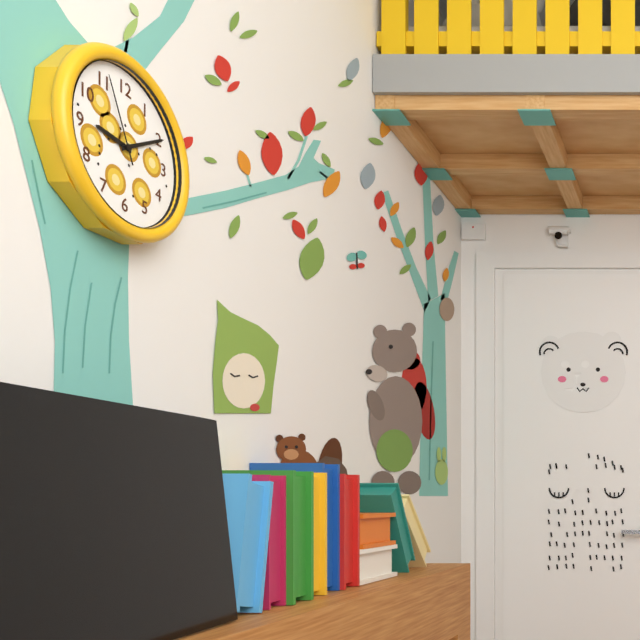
9:10:56
